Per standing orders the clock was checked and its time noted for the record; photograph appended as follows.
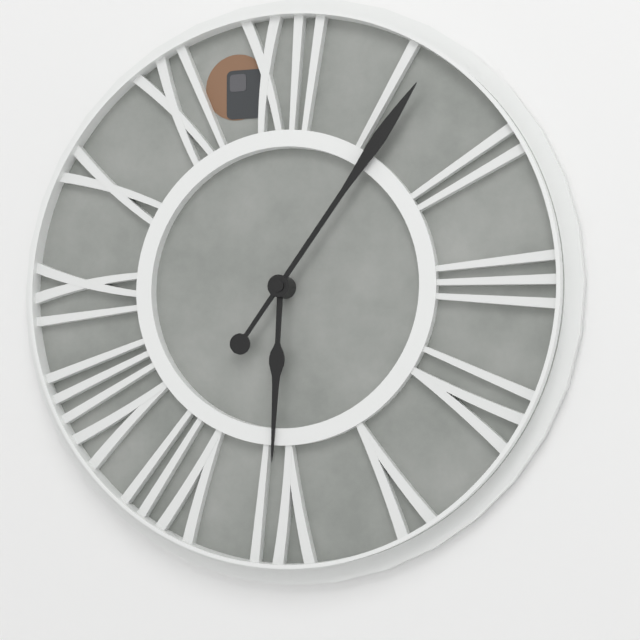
6:06
